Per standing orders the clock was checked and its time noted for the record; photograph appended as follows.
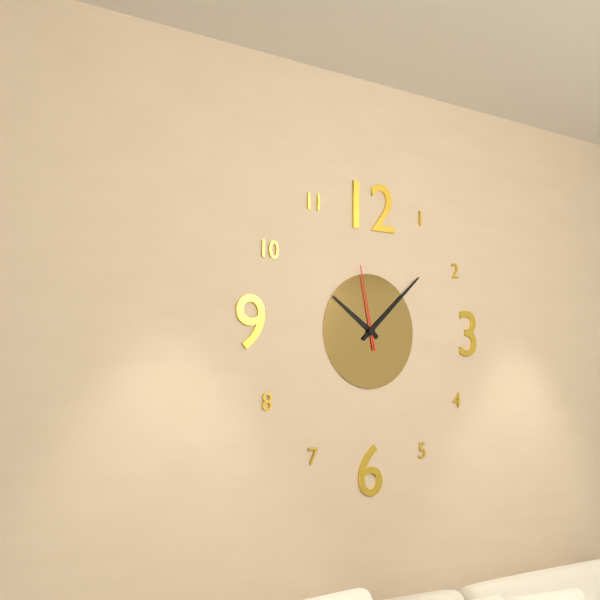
10:08:58
